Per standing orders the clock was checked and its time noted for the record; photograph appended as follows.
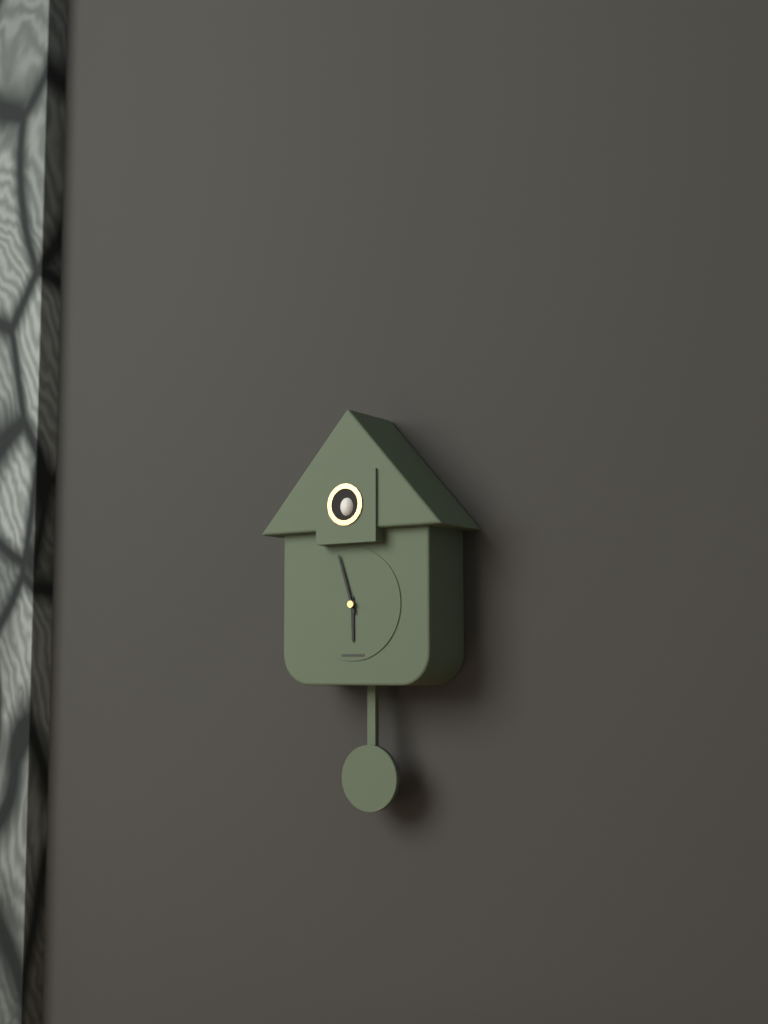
5:57
